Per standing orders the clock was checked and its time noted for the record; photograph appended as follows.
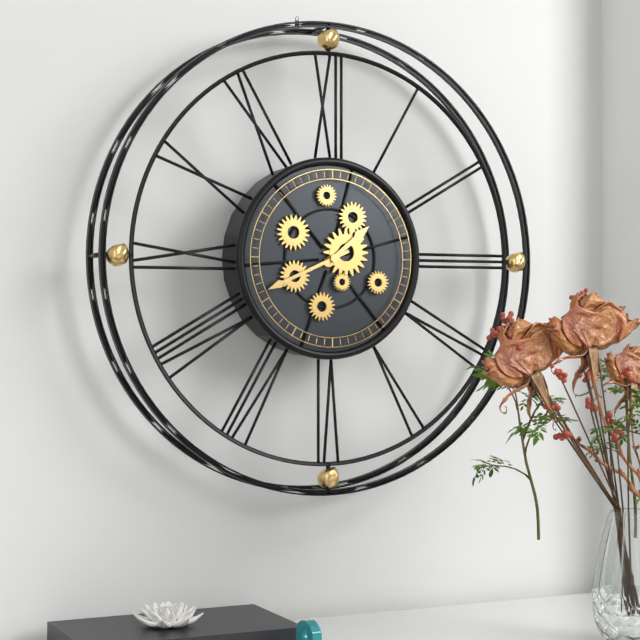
1:41
